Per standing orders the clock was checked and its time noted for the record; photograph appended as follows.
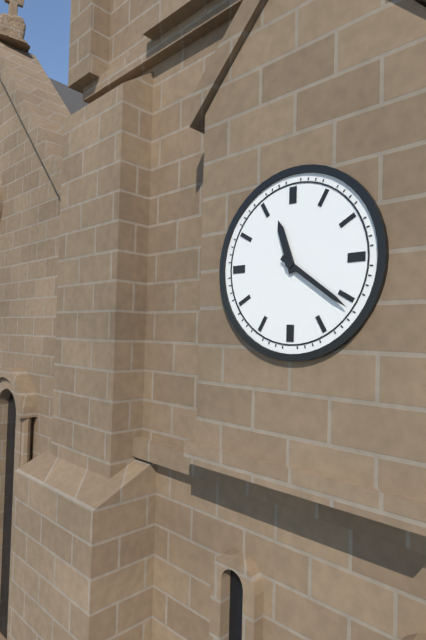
11:21
